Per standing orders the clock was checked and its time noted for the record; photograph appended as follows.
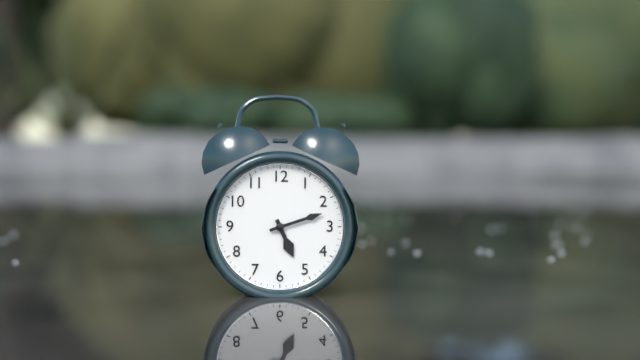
5:12
